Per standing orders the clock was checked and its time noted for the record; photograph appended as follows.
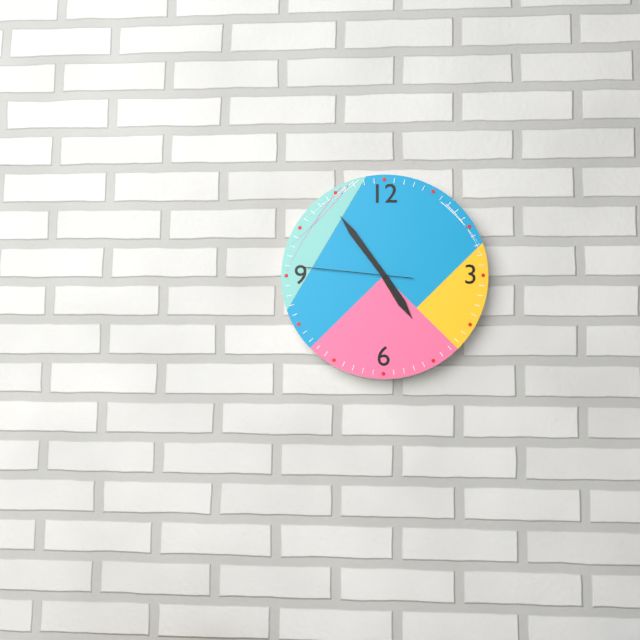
4:54:46
